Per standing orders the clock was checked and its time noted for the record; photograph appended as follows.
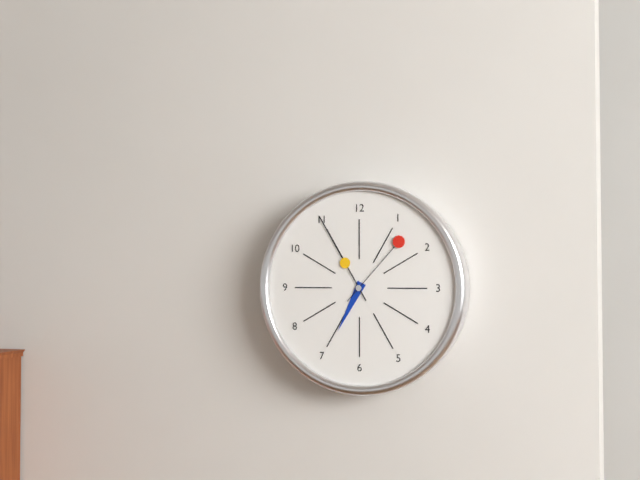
6:55:07
